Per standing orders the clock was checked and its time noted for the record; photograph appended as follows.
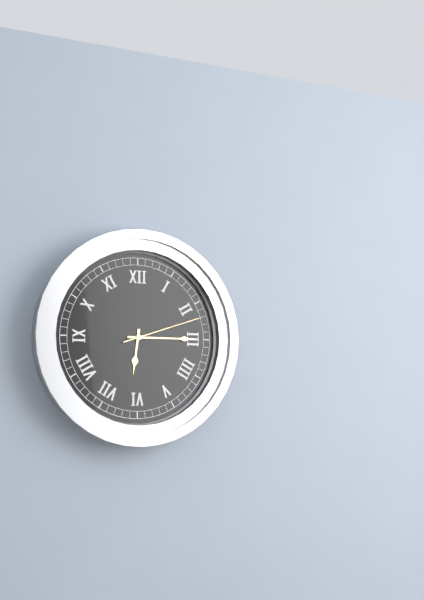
6:15:12
